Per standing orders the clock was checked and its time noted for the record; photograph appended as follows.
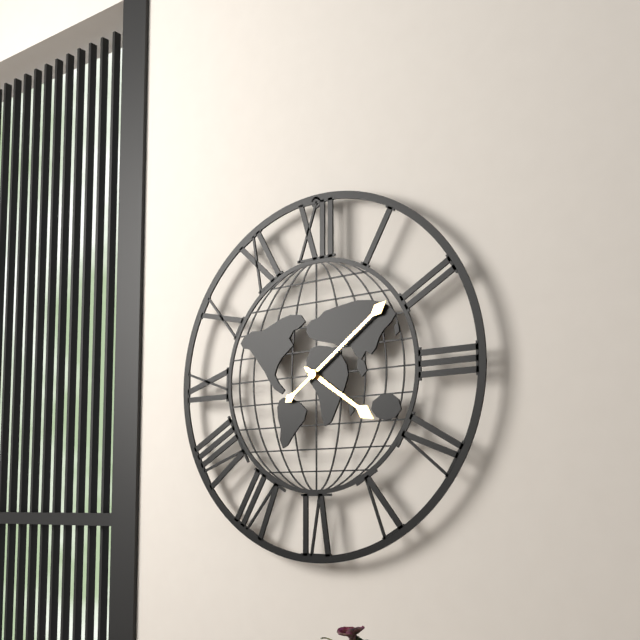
4:09
